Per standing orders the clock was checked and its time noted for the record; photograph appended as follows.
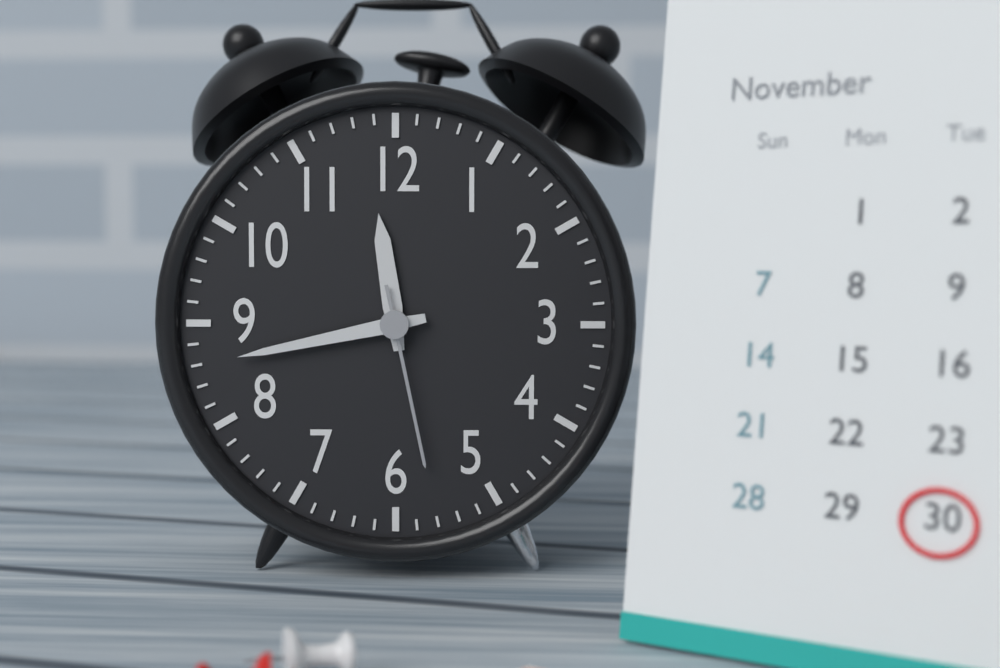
11:43:28
